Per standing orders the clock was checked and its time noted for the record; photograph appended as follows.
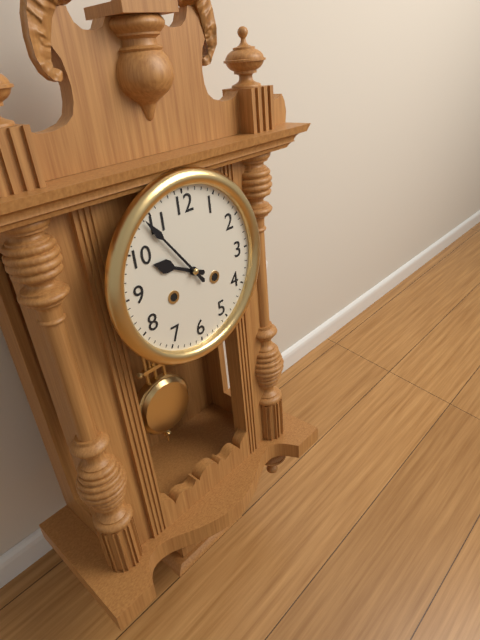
9:54
